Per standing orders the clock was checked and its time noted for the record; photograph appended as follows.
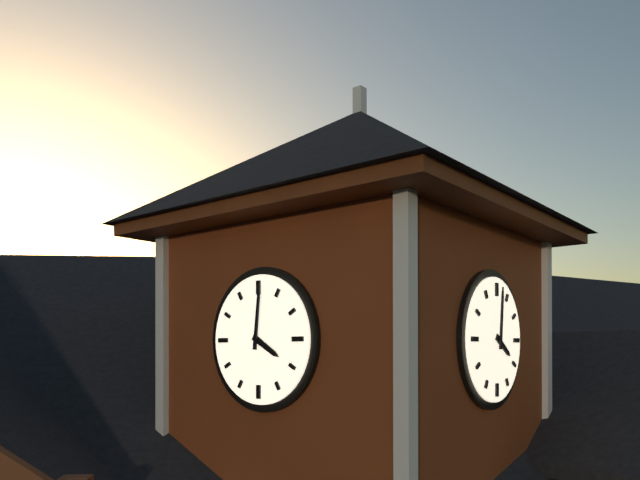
4:01
